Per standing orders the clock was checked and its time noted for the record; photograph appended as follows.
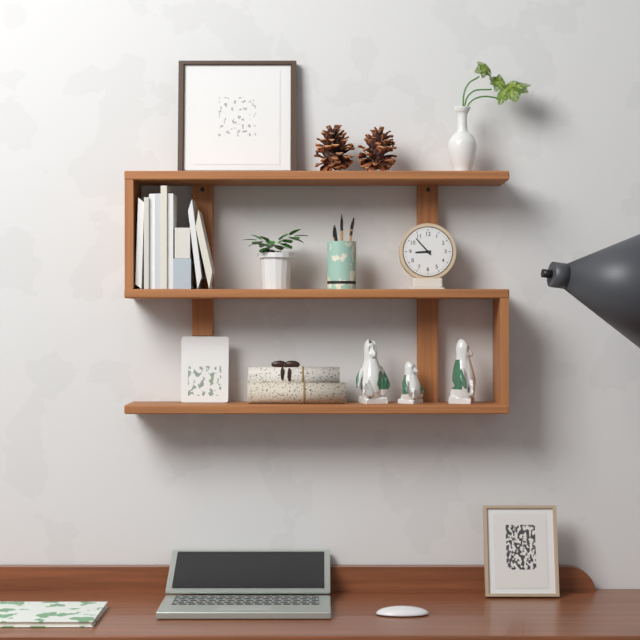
8:53
